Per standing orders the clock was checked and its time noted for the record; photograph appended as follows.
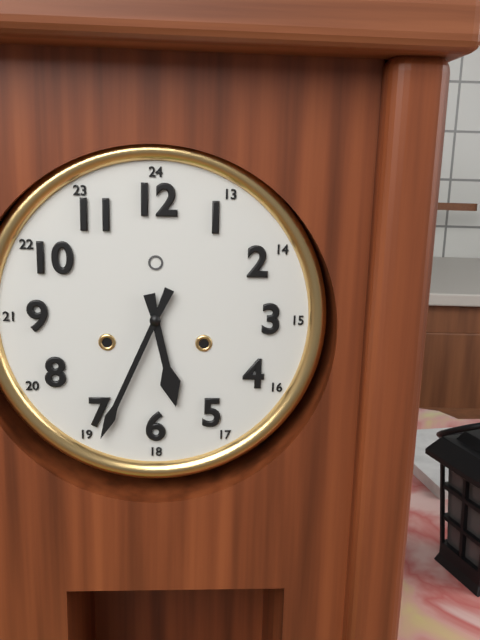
5:34
